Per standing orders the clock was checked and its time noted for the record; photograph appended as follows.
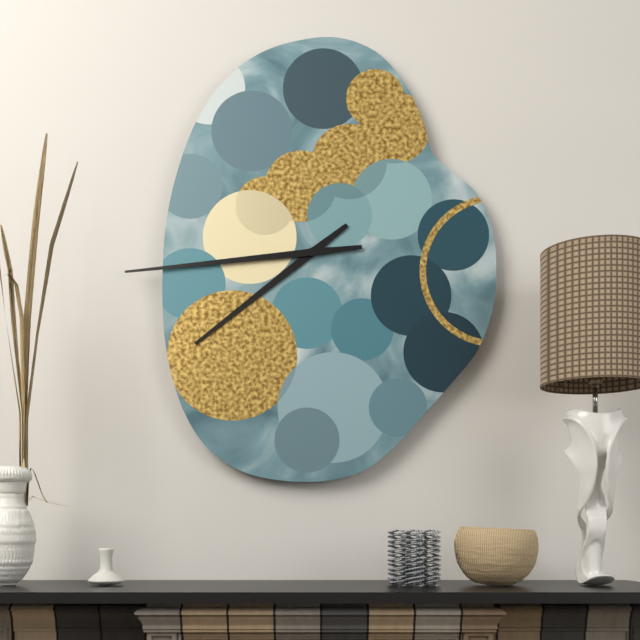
7:44
